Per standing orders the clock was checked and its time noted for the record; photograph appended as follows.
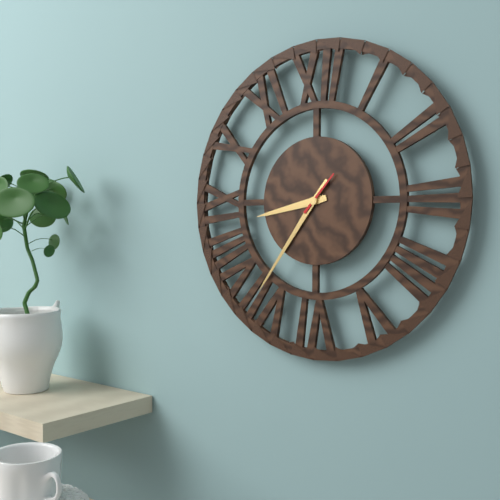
8:36
